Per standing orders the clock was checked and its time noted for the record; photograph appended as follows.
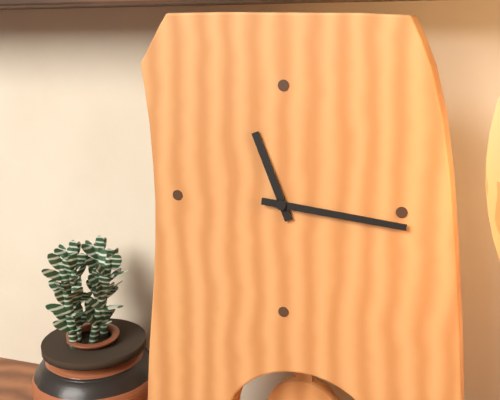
11:16
